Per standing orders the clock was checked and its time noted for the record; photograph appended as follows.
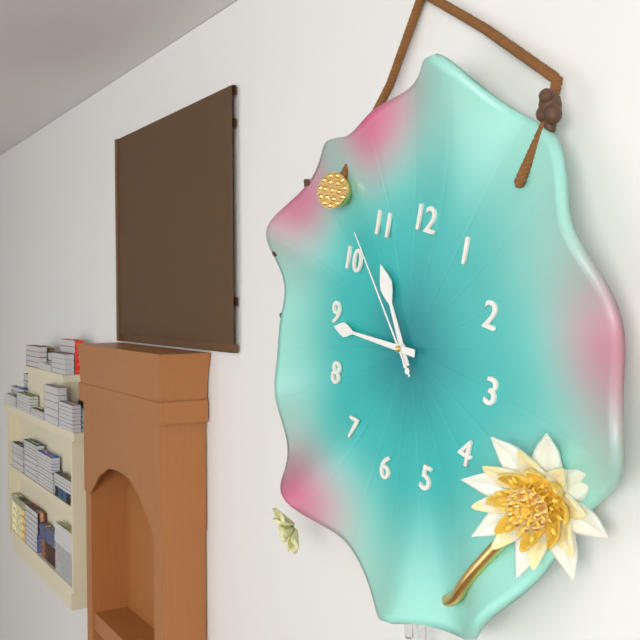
10:44:52
